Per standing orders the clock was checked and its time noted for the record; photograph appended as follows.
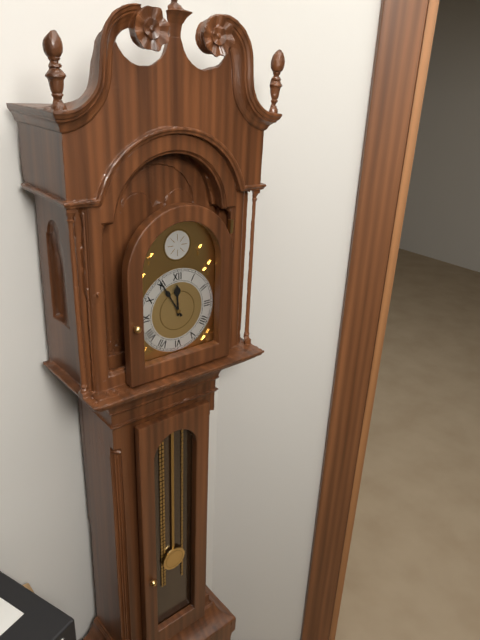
11:55
